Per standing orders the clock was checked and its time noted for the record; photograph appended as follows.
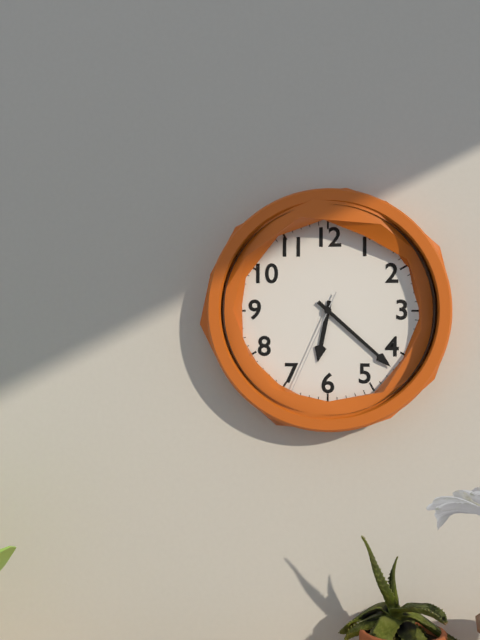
6:22:34
